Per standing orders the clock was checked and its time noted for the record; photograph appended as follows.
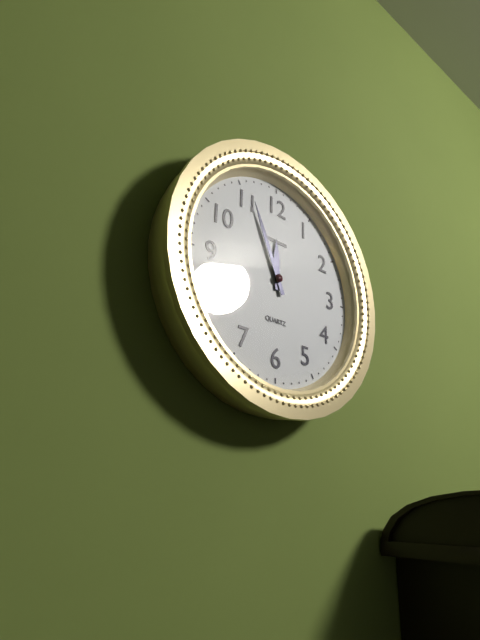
11:56
